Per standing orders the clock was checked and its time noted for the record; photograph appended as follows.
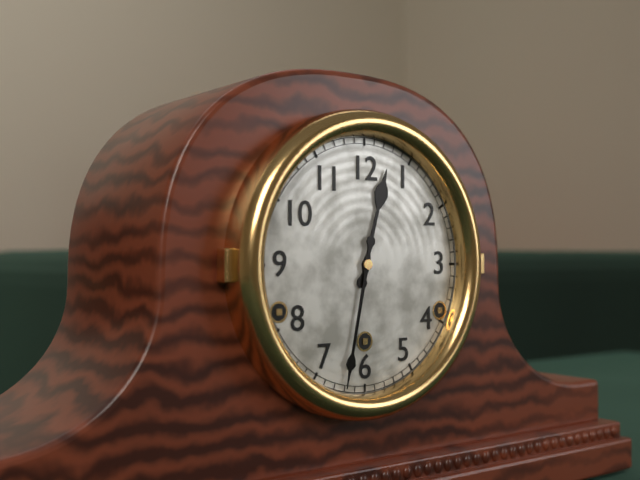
12:32
